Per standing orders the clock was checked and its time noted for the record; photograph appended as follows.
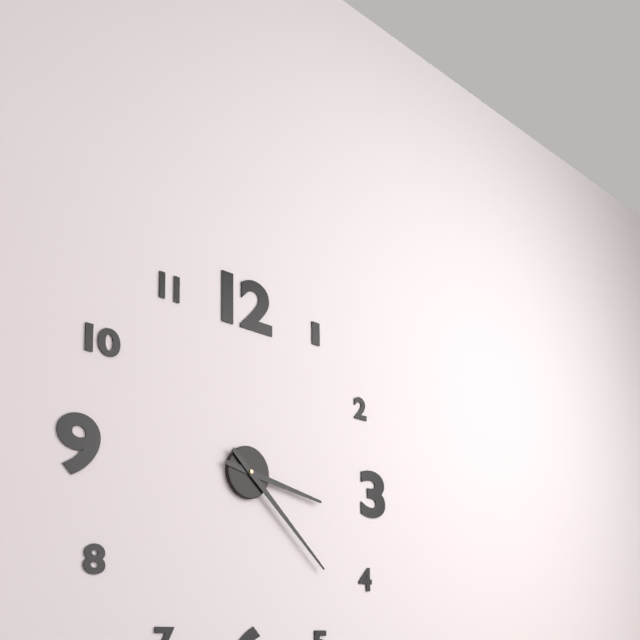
3:22
